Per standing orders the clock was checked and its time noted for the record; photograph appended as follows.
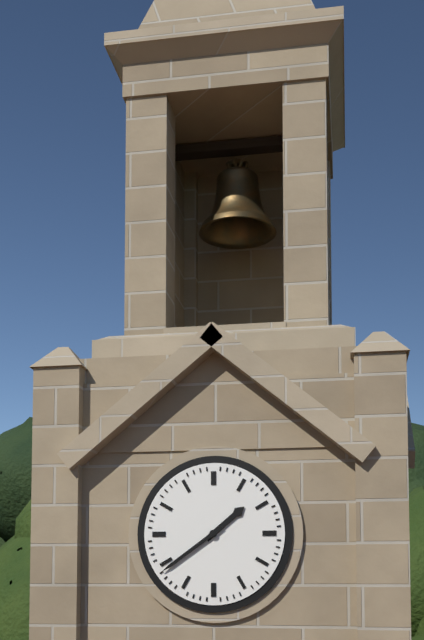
1:39
